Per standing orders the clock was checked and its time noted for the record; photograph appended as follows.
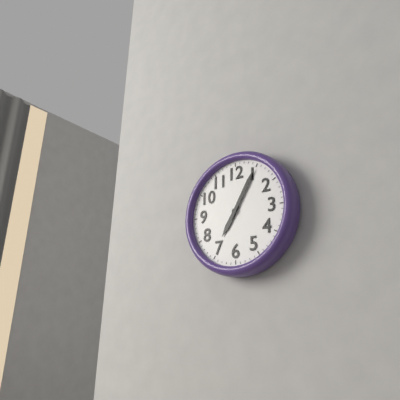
7:05
